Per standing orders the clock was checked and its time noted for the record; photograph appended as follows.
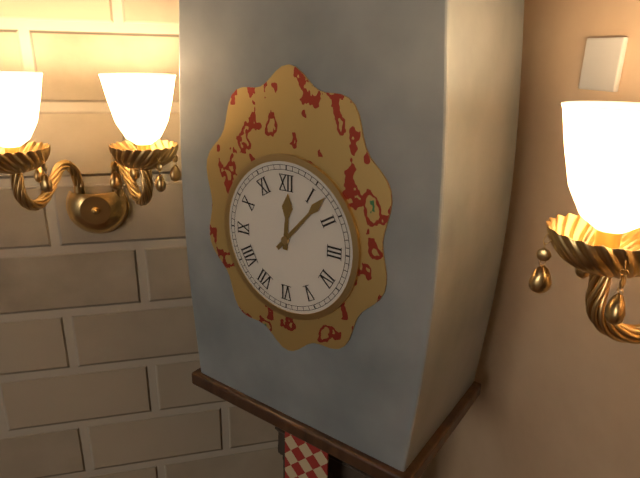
12:07
